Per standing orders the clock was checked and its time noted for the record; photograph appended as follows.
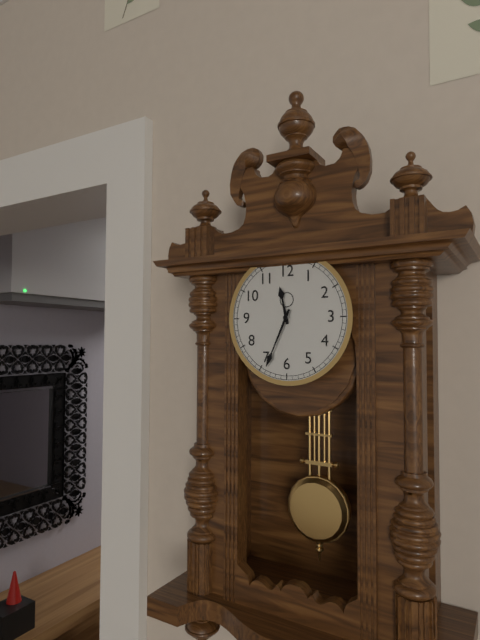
11:34
